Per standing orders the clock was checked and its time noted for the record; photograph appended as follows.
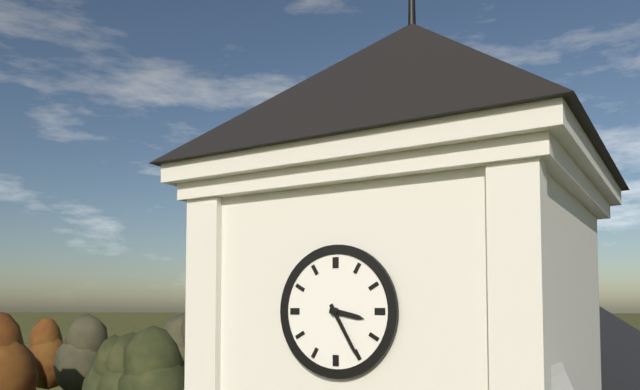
3:25
